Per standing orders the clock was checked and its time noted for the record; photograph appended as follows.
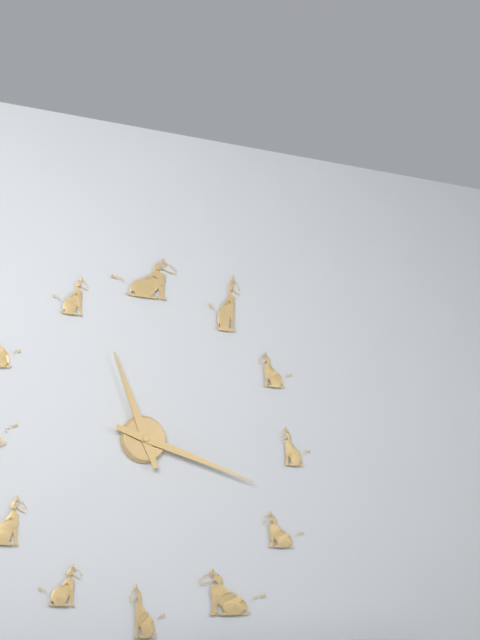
11:18
